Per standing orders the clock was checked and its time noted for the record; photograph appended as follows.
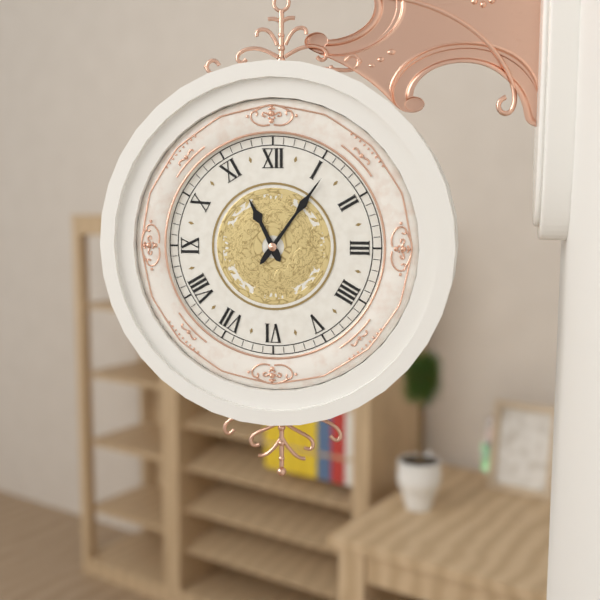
11:06
